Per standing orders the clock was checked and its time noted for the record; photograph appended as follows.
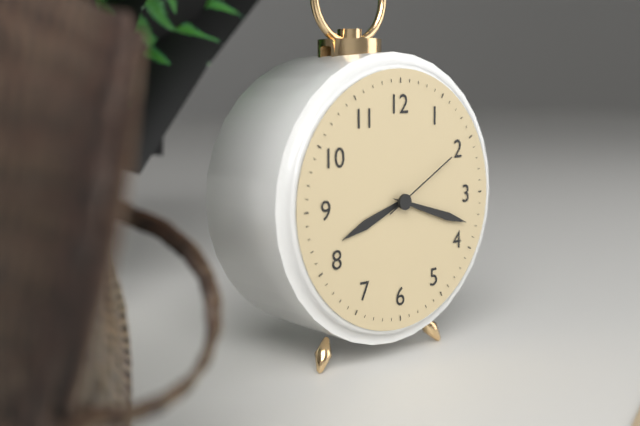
8:18:10
